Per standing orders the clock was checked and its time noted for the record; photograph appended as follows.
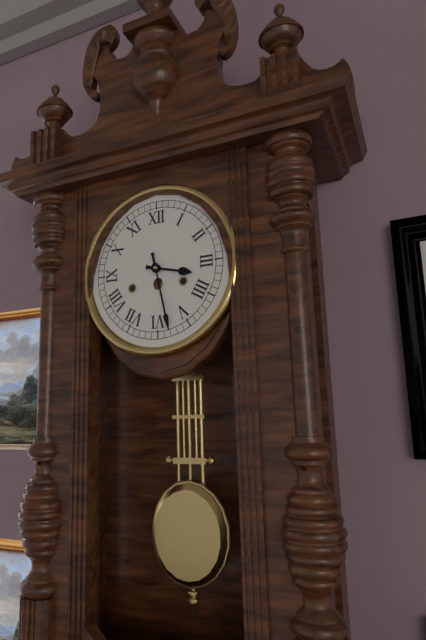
3:28
